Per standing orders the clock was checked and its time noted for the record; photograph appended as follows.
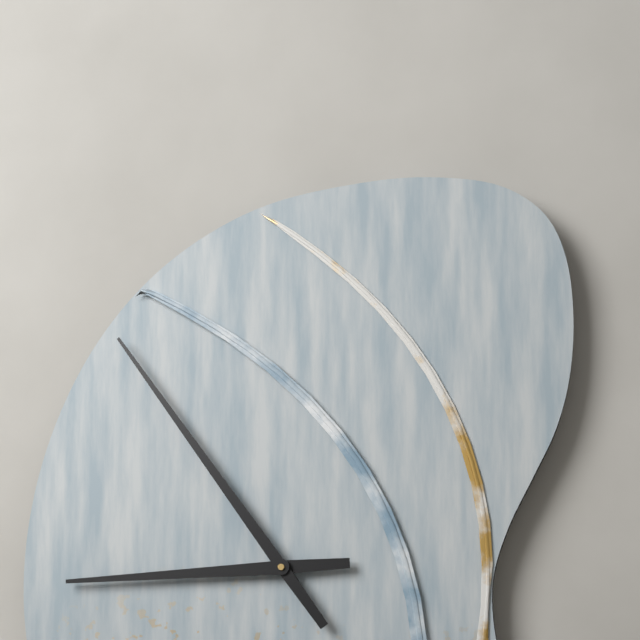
8:54
